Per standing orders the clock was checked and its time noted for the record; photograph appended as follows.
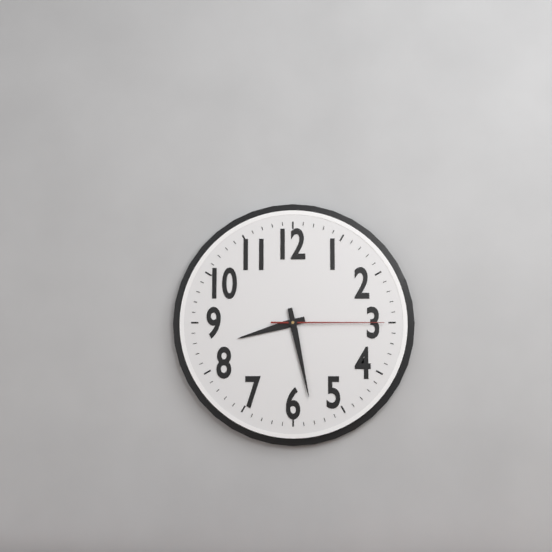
8:28:15
